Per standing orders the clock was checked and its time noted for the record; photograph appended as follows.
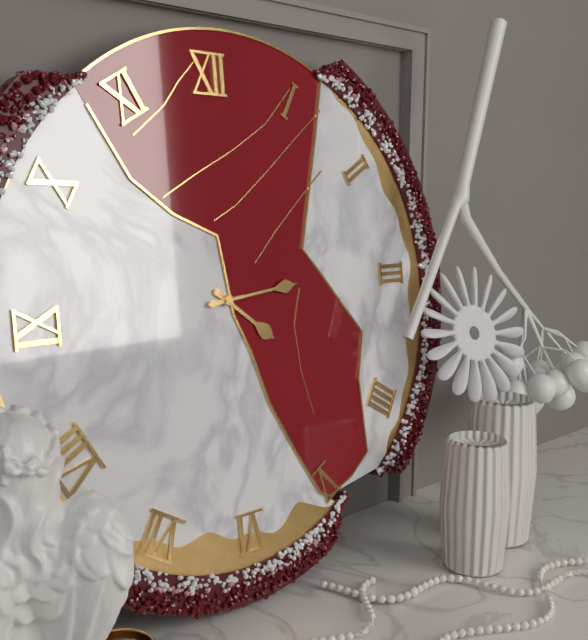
4:14
